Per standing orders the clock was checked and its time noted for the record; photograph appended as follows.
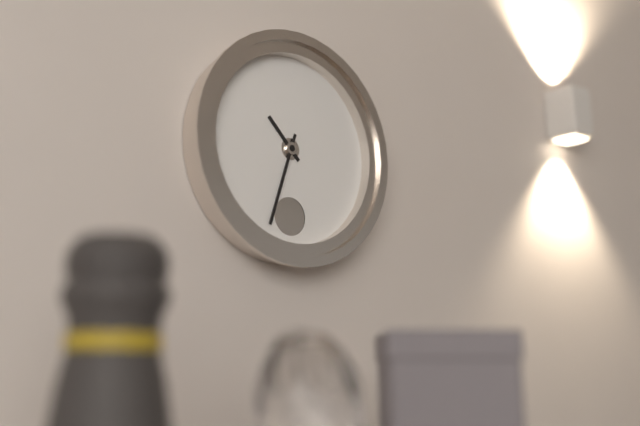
10:33
